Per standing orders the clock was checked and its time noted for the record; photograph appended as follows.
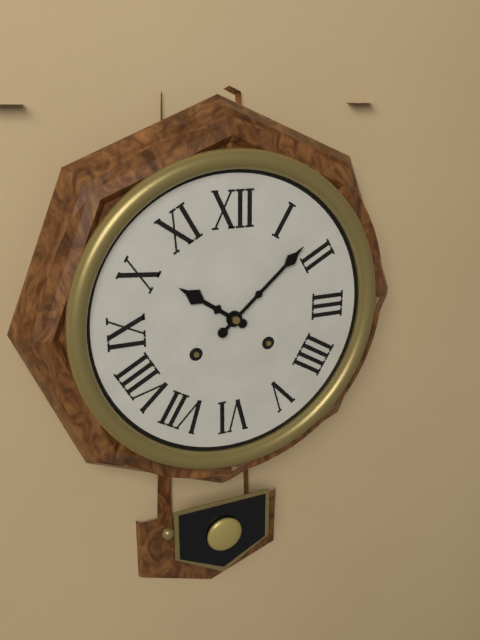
10:08
